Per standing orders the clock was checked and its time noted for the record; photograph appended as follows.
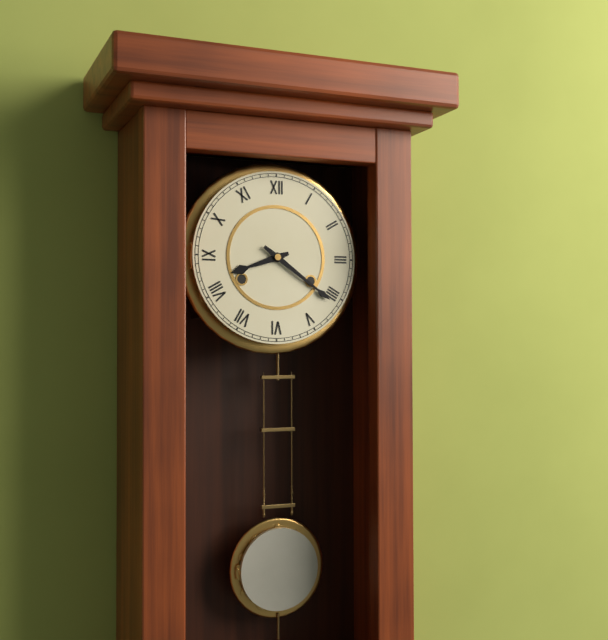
8:21
